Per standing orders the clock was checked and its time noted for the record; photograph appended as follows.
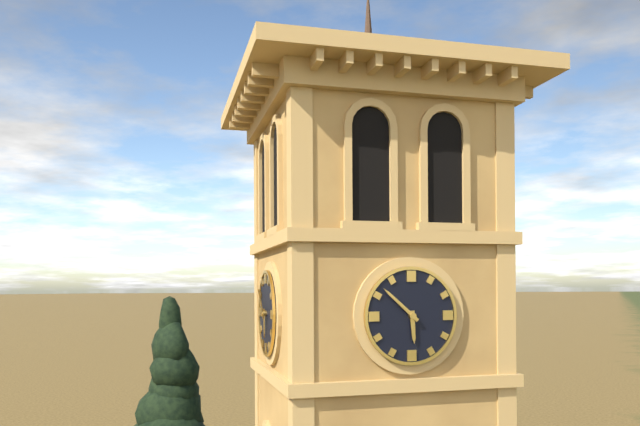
5:52
